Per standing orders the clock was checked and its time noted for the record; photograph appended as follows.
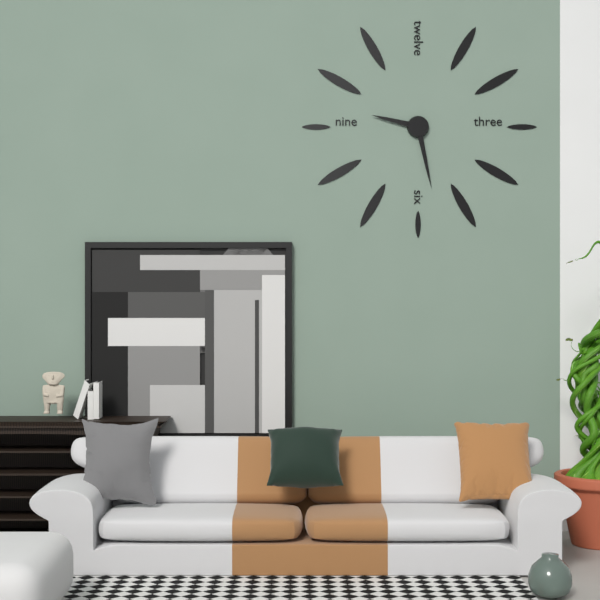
9:28
